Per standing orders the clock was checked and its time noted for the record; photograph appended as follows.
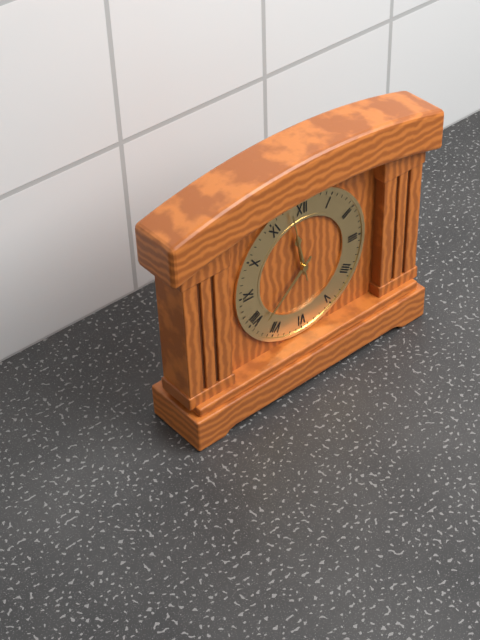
11:38:58
